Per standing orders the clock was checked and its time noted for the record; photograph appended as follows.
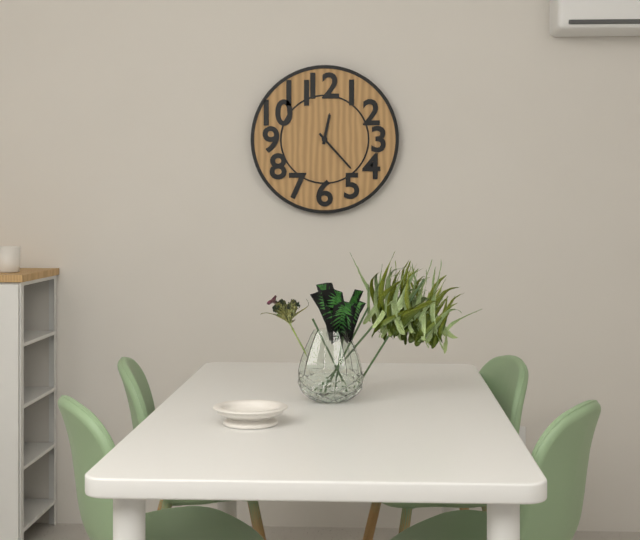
12:23
